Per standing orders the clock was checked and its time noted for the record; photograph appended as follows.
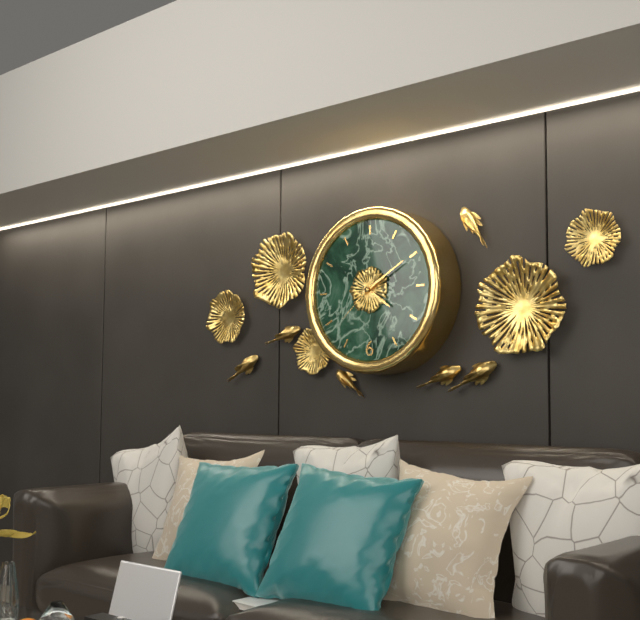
4:10:38
